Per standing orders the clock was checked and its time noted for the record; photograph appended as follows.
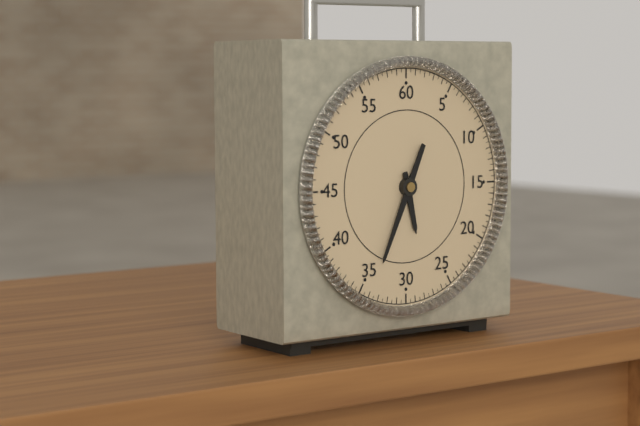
5:34
